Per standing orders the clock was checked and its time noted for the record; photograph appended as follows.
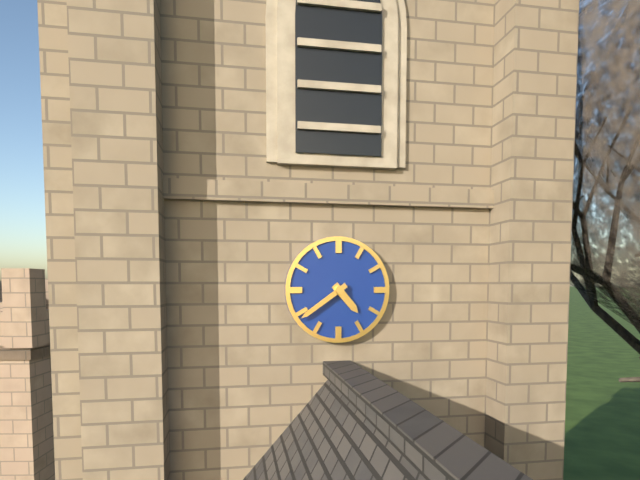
4:39
